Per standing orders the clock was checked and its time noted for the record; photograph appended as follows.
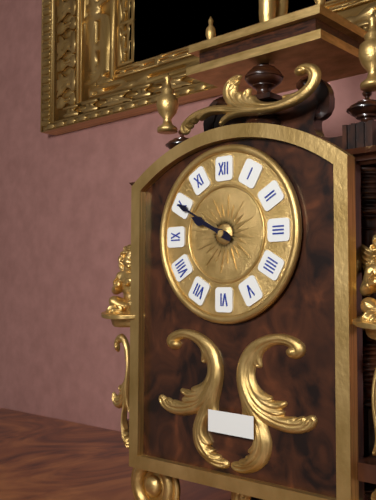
9:50
